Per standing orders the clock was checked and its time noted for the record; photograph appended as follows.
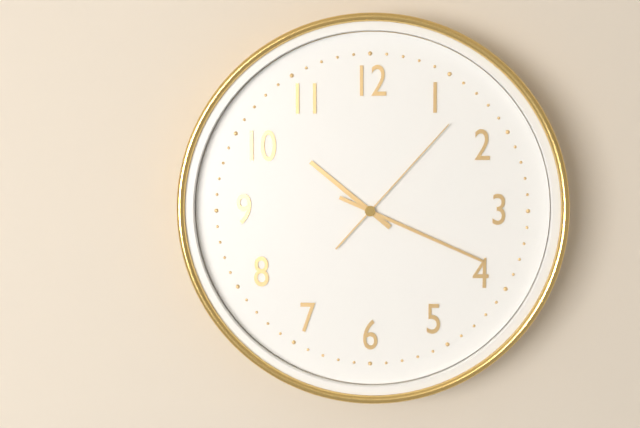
10:19:07
